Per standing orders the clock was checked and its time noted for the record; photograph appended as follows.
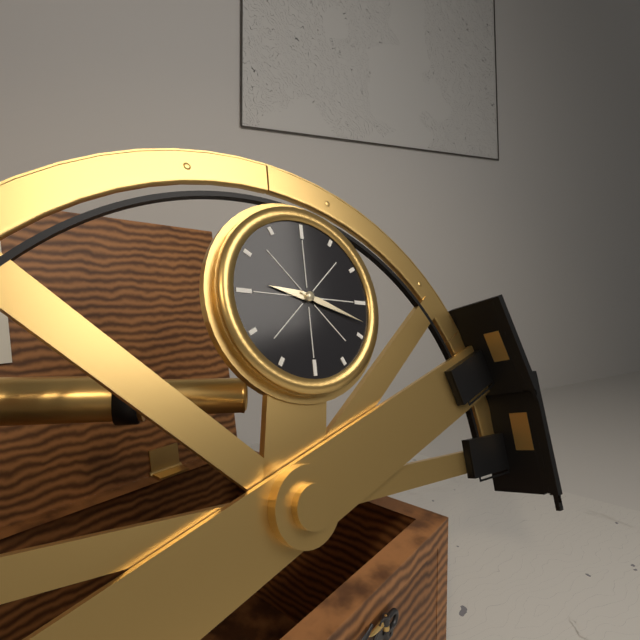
9:18
